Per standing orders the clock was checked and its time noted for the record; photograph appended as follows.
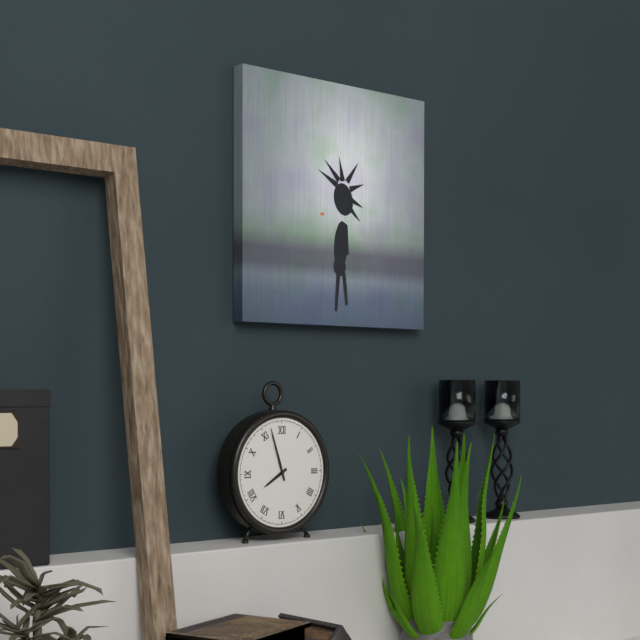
7:57
